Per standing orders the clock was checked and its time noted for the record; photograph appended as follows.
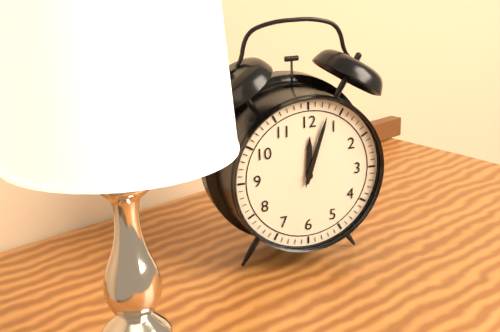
12:03
